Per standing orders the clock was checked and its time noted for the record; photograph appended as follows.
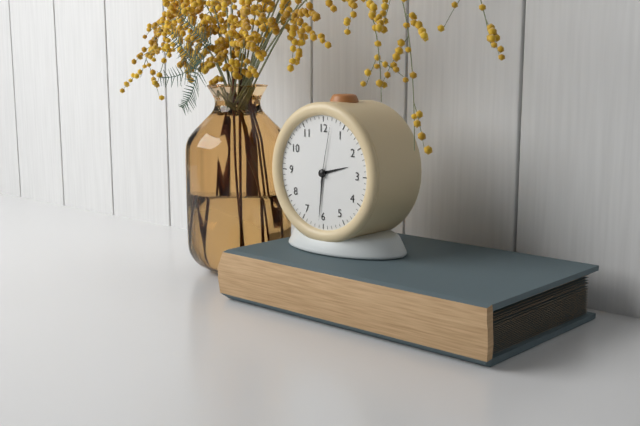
2:31:02
